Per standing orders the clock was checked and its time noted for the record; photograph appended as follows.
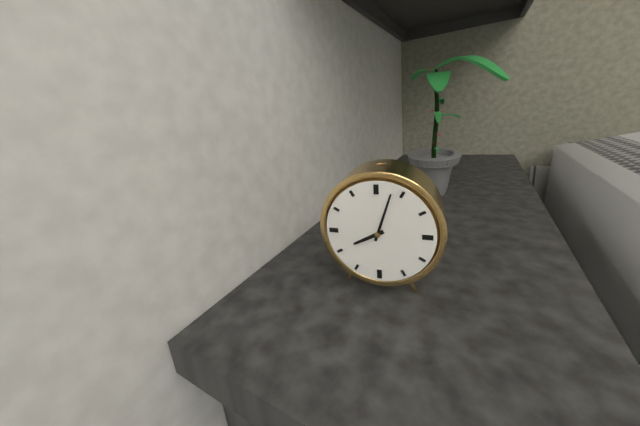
8:03
